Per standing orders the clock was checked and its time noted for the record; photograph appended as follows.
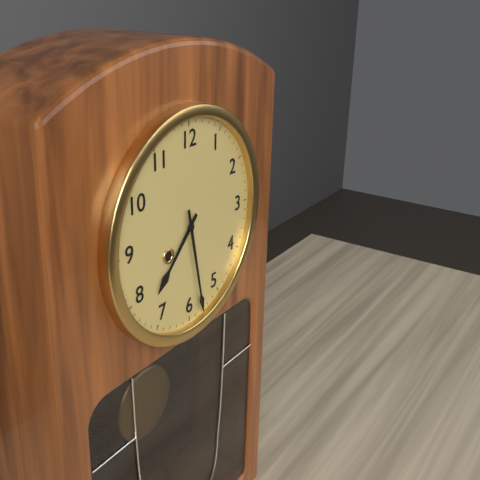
7:28
